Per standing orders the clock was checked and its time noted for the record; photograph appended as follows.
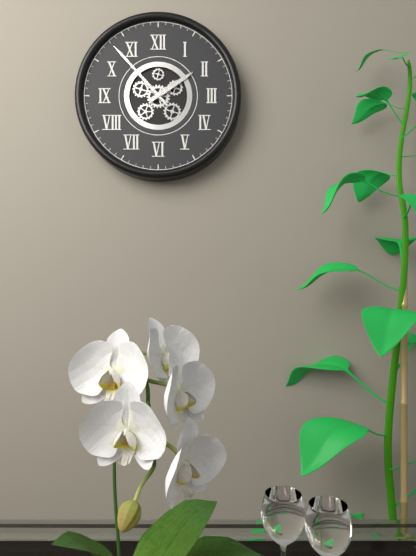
1:53
